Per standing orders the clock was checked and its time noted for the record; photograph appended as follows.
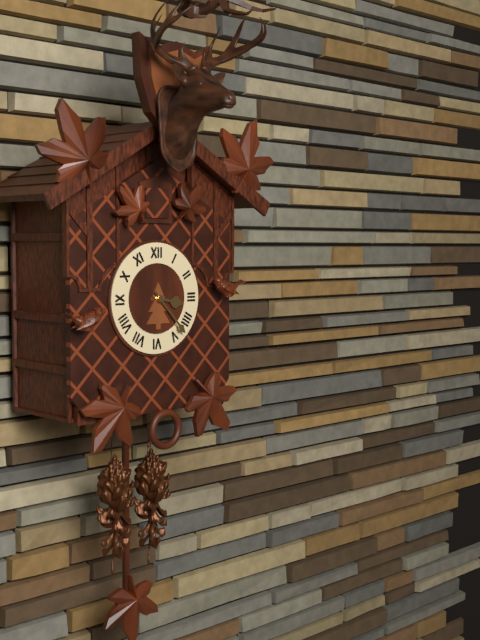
3:23
